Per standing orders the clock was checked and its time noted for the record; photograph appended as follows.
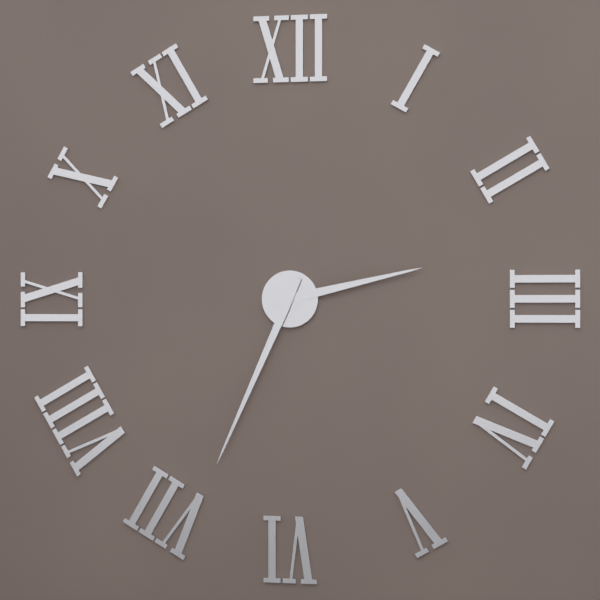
2:34
